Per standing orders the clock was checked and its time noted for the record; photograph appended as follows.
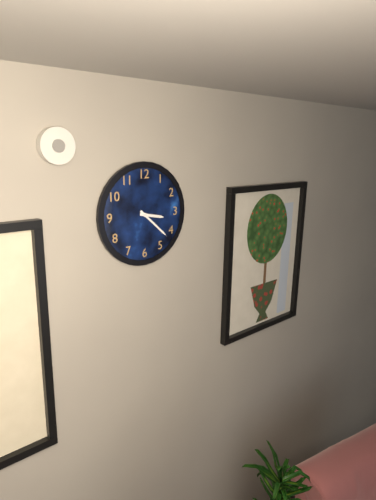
3:22
